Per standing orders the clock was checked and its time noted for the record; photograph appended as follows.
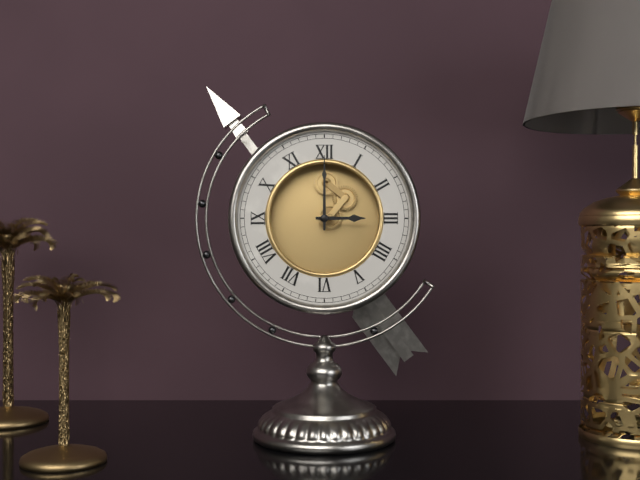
3:00
